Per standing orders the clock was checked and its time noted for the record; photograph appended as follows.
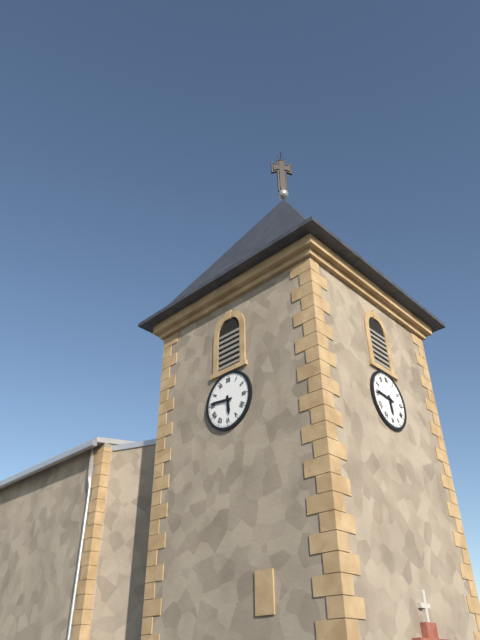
5:46
